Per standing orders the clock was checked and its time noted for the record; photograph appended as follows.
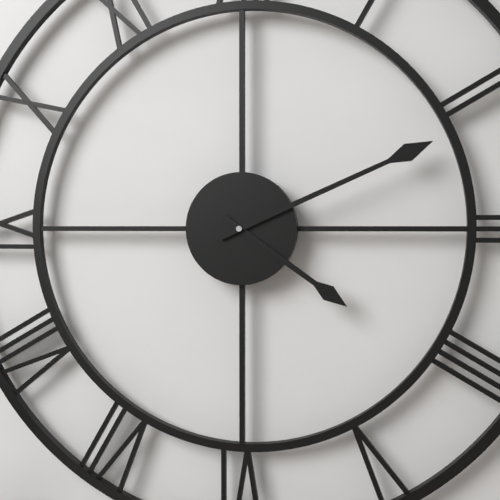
4:11
